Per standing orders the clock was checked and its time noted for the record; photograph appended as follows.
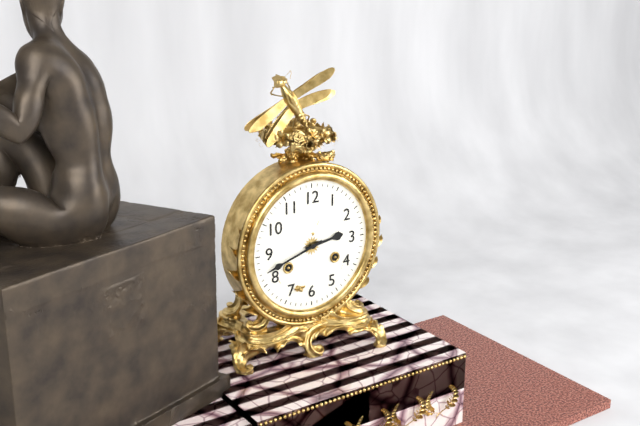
2:42
